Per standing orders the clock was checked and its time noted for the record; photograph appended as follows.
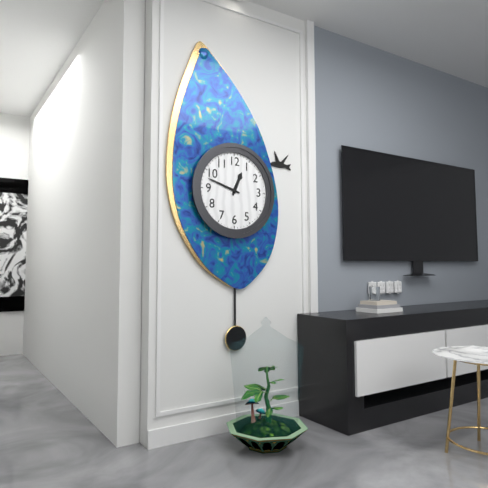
12:48
